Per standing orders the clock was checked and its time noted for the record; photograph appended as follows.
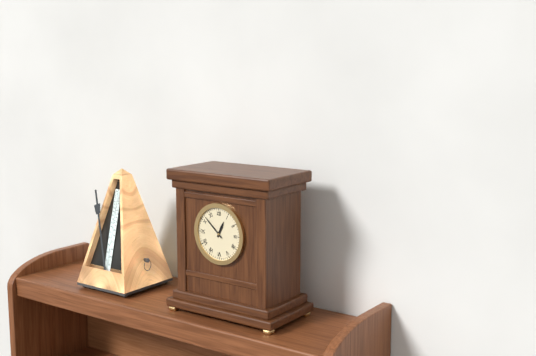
12:52
